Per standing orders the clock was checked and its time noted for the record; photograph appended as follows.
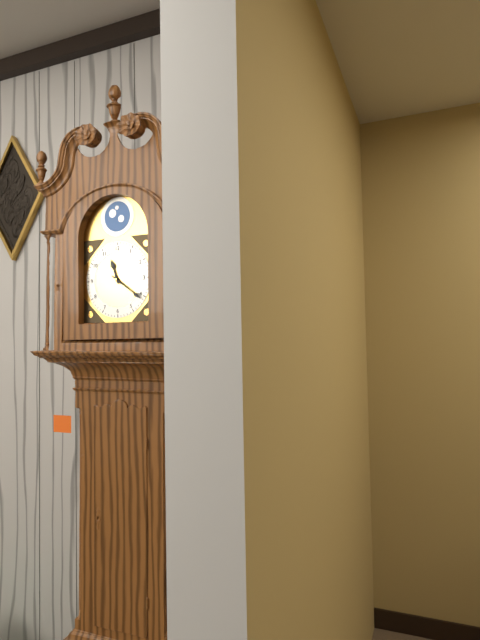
11:21
